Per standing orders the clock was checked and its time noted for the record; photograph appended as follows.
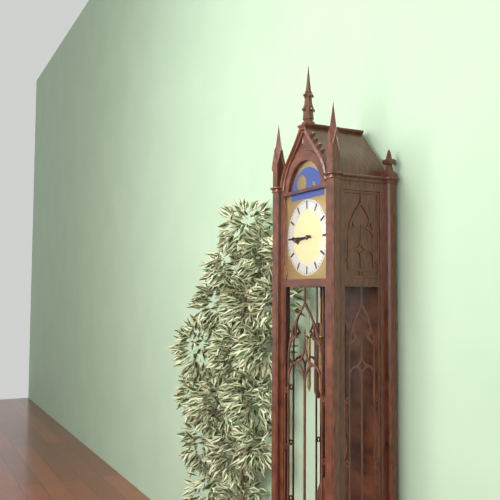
8:45
